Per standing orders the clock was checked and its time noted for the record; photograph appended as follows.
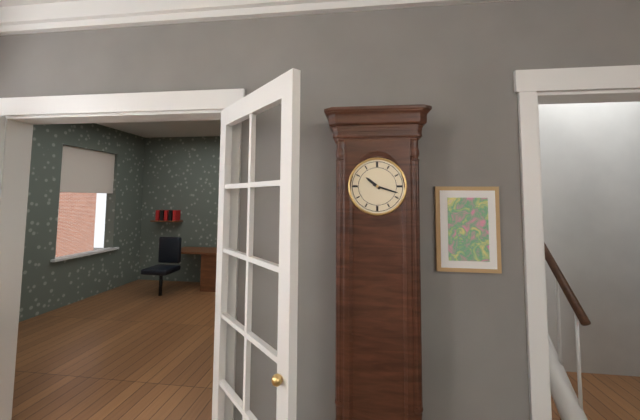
10:18
